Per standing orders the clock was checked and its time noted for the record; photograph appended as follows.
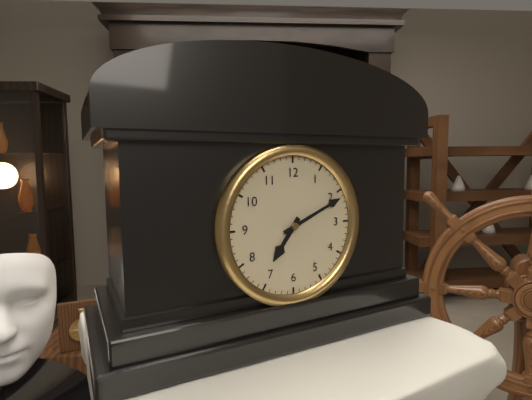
7:11
